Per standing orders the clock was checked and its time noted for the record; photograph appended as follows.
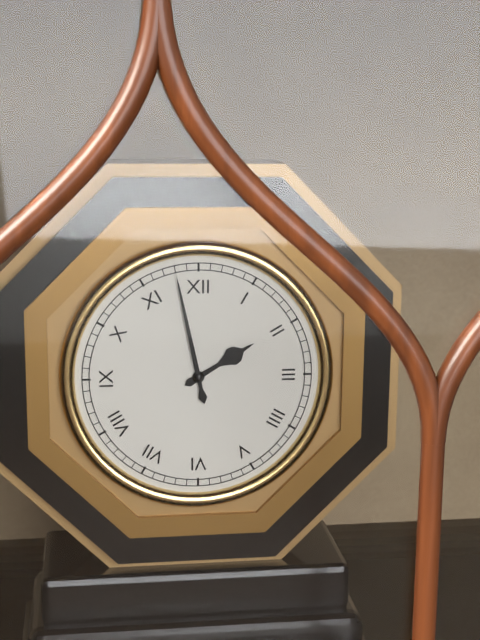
1:58
